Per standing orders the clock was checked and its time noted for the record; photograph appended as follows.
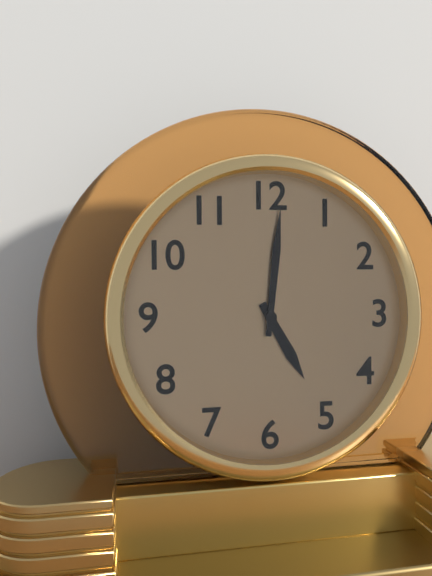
5:01
